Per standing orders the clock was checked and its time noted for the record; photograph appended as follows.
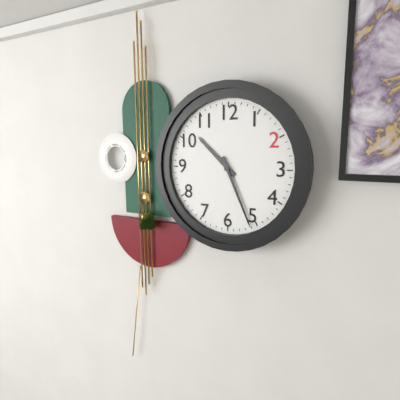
10:26
